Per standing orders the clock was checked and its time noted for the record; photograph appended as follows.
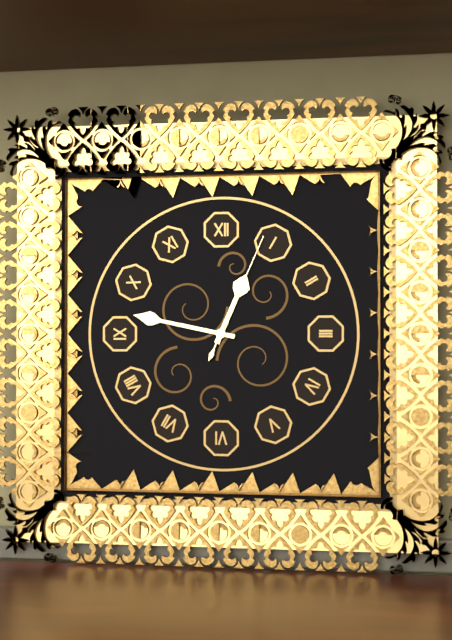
12:47:04
